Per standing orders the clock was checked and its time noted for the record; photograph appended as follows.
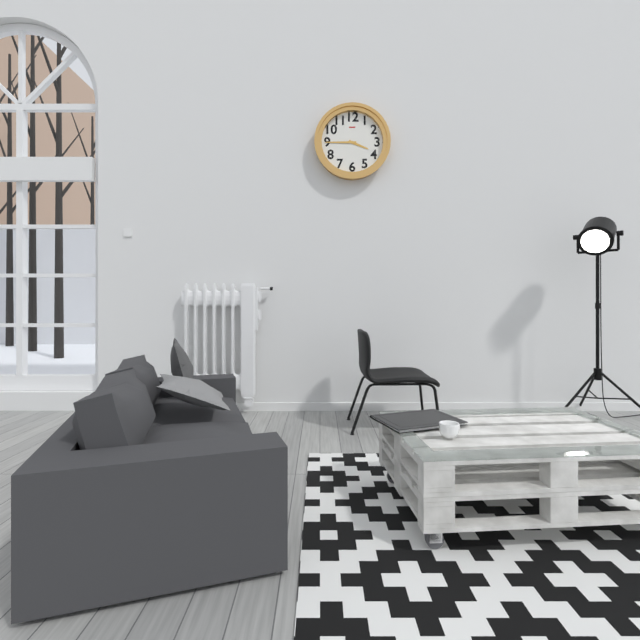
3:45
